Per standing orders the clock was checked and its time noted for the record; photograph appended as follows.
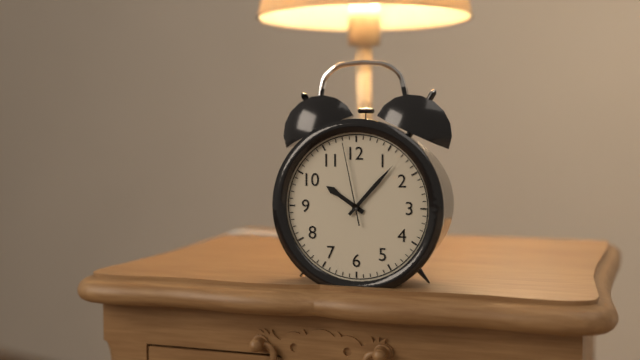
10:07:58
